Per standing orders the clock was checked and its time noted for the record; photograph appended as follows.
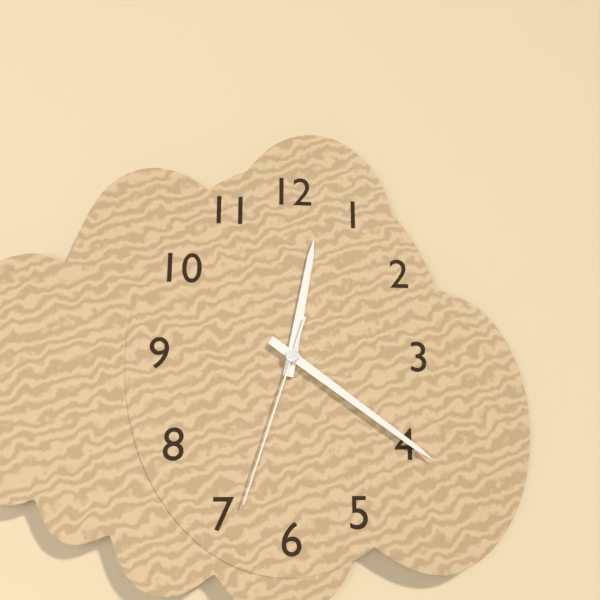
12:21:33
